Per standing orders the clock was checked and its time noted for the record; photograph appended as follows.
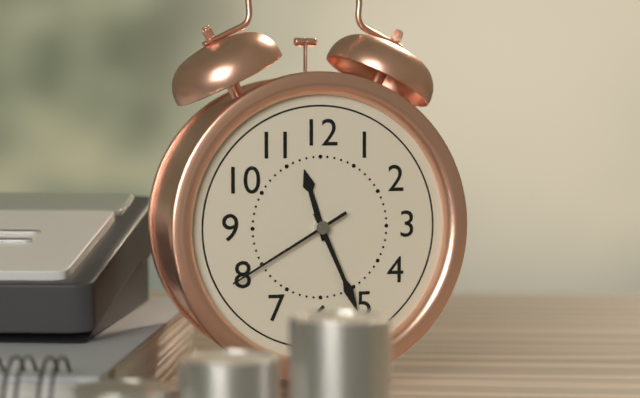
11:26:40
